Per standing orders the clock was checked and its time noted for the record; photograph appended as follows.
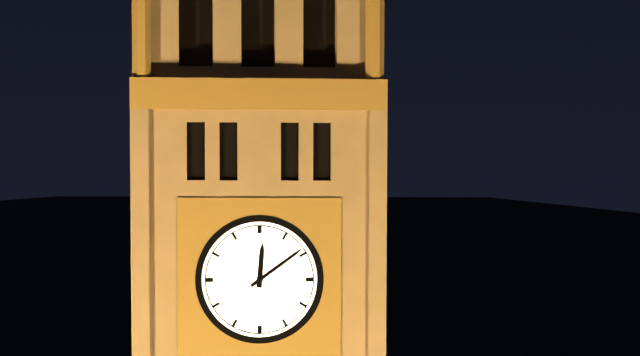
12:09
